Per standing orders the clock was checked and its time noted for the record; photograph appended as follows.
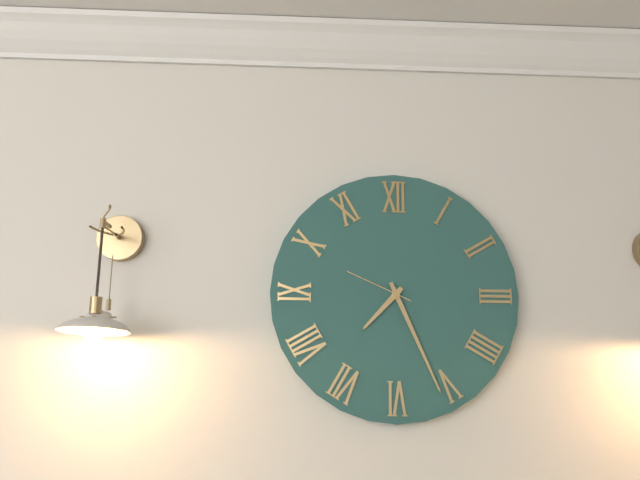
7:26:49
